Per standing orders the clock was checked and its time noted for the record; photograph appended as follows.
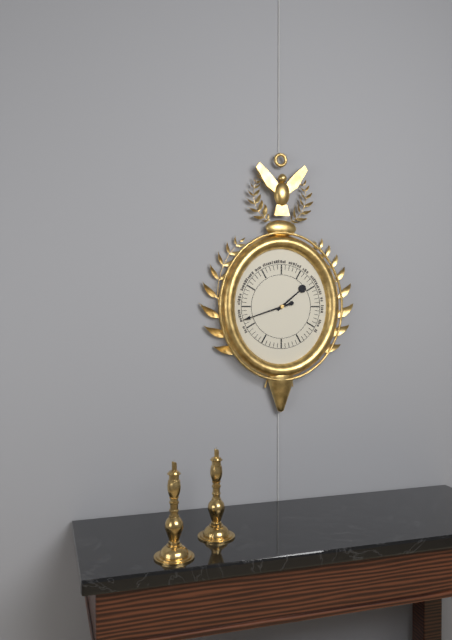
1:42
